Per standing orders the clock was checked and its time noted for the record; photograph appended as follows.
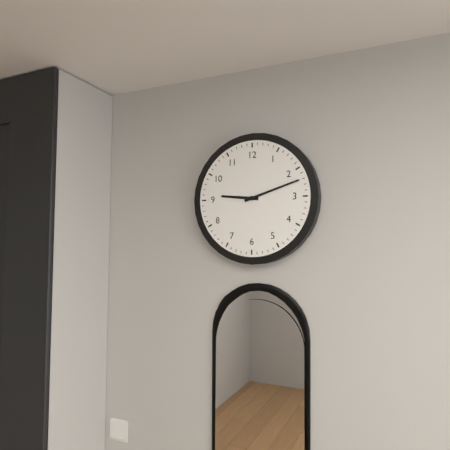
9:12
